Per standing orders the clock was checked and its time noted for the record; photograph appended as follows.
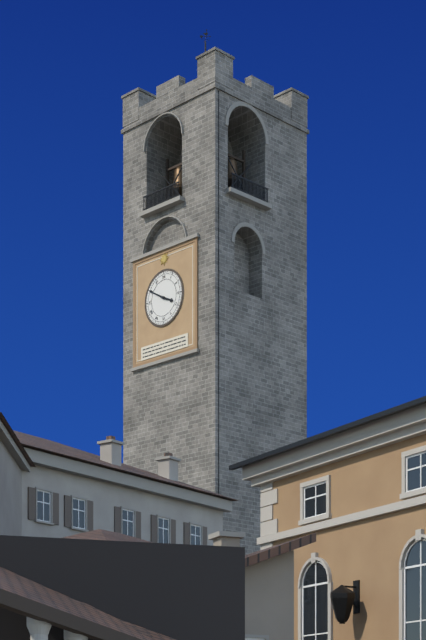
3:50
